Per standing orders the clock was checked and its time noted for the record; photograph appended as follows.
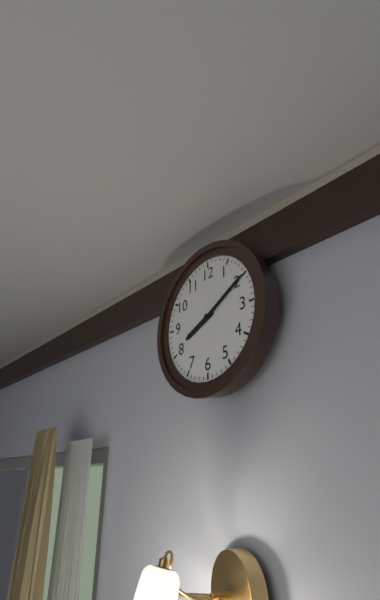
8:10
